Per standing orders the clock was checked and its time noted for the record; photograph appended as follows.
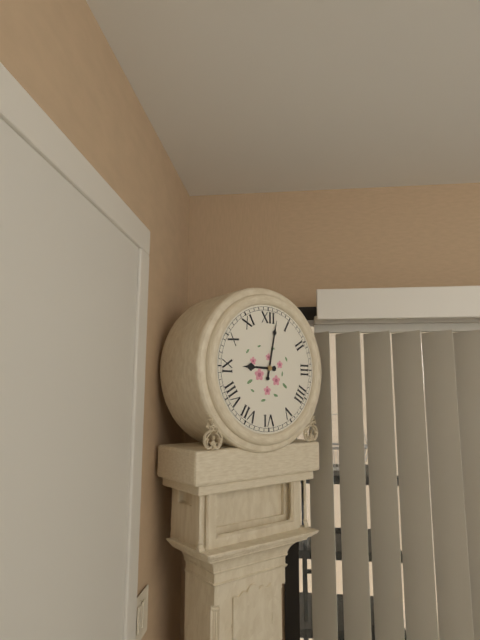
9:02
